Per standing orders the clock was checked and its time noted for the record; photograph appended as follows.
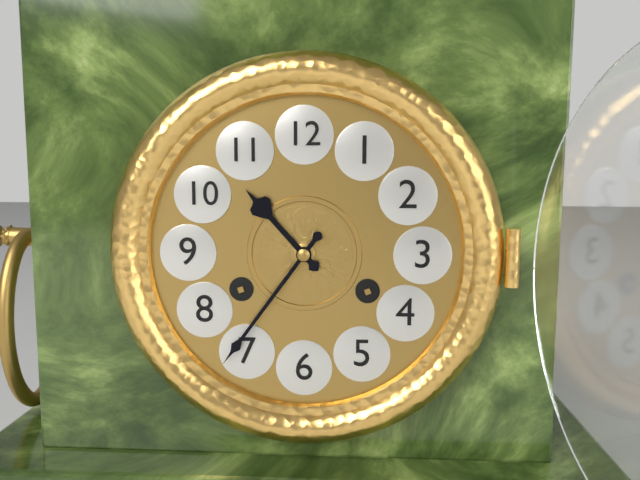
10:36
